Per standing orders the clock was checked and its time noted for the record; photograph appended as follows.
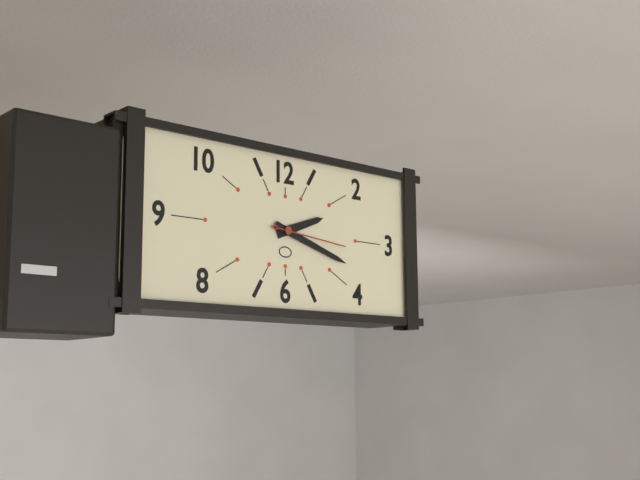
2:18:16
